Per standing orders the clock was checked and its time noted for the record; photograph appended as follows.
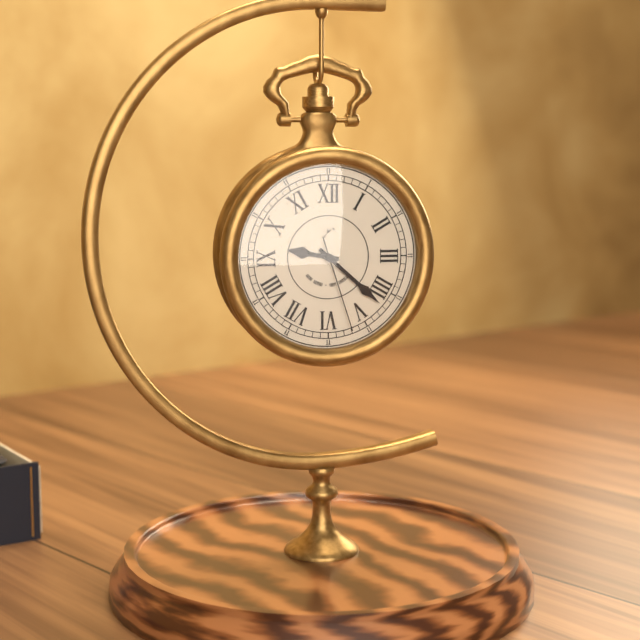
9:22:27
